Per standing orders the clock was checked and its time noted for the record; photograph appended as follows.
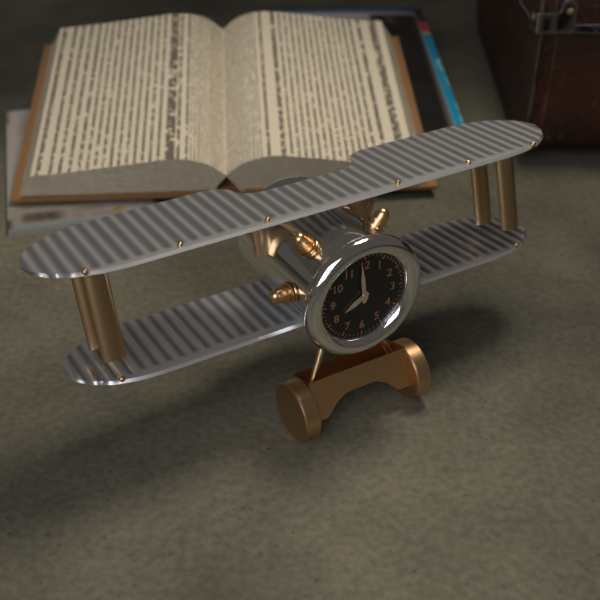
7:59
